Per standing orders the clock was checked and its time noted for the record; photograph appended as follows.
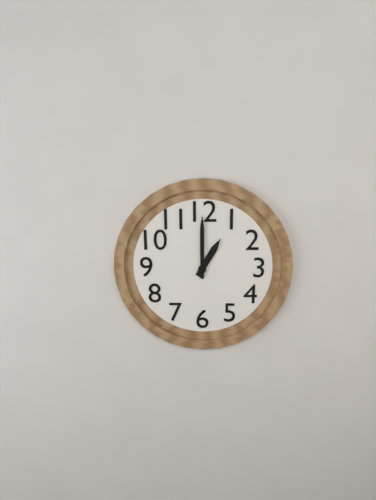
1:00
